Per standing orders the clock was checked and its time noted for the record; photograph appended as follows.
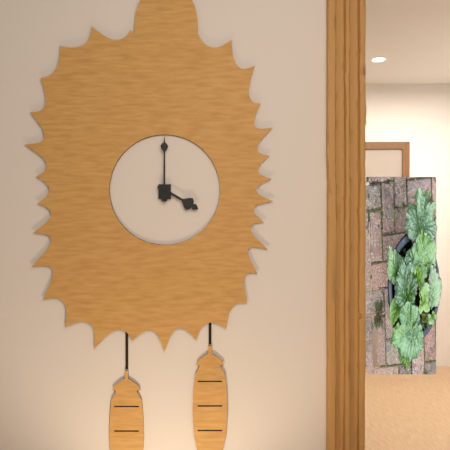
4:00
